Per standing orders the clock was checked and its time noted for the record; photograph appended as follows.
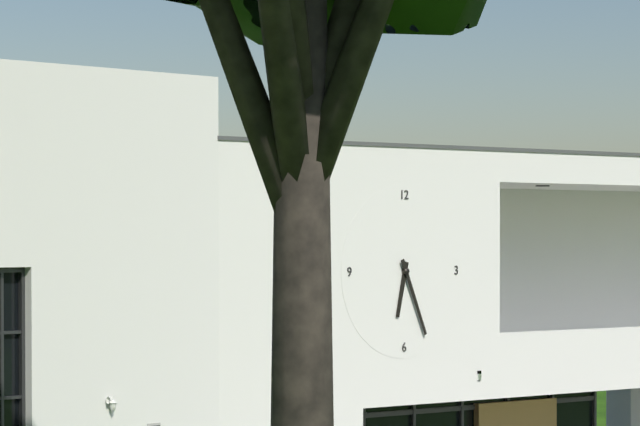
6:26
